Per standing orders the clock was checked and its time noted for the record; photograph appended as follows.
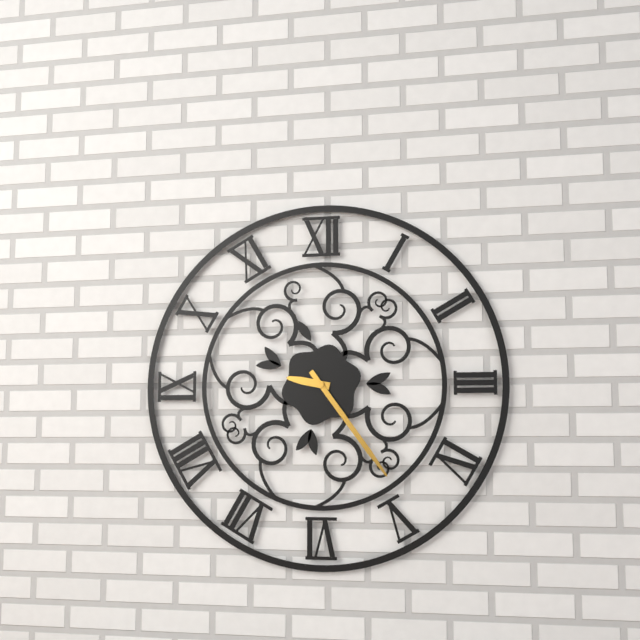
9:24
